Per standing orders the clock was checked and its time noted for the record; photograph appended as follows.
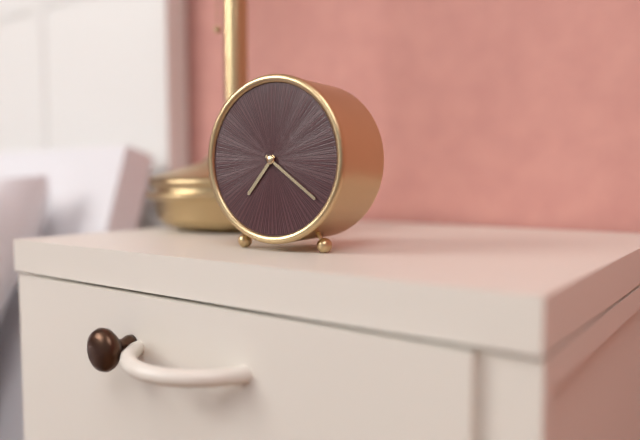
7:21
